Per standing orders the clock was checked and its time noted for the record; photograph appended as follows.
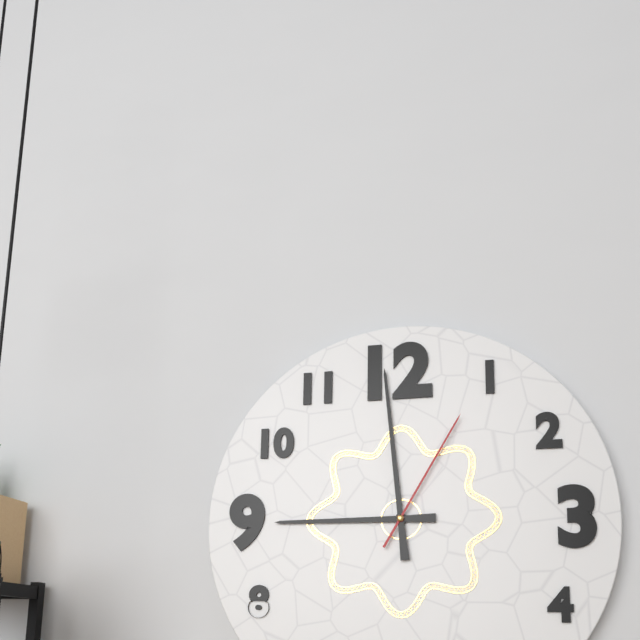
8:59:05
